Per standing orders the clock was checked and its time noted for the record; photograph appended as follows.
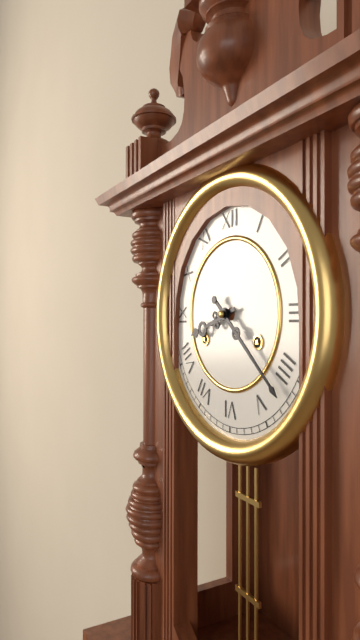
8:22
